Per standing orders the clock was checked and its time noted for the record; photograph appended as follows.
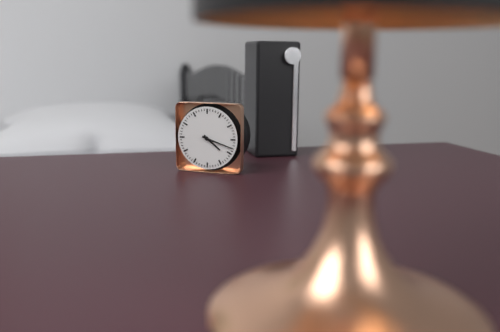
4:18
